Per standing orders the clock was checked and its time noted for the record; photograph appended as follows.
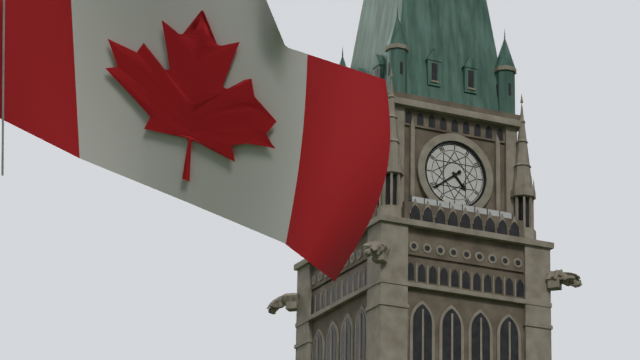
4:39
